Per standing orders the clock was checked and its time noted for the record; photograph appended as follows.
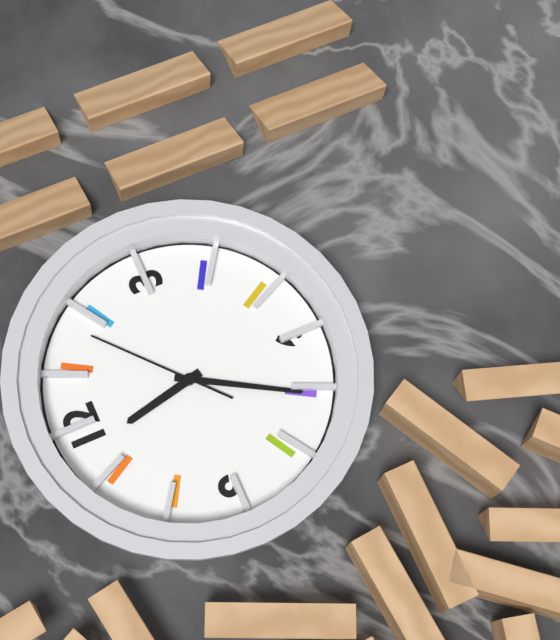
11:35:08
